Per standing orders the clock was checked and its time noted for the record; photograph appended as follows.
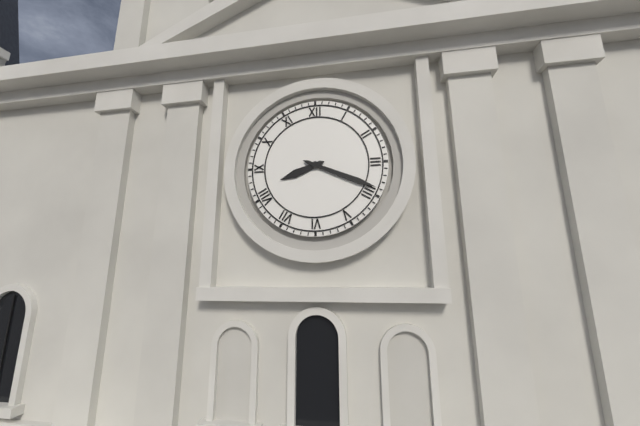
8:19
